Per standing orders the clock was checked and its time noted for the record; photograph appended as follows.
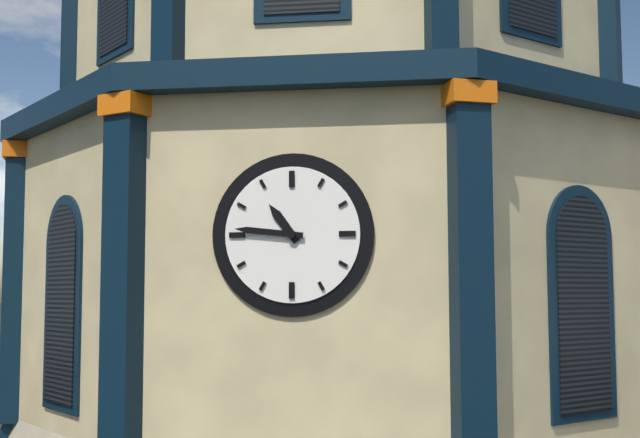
10:46
